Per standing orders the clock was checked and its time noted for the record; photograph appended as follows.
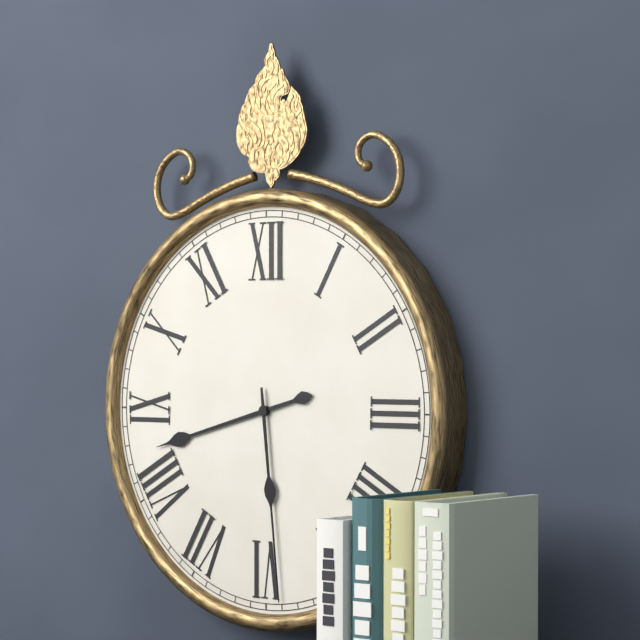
8:29
